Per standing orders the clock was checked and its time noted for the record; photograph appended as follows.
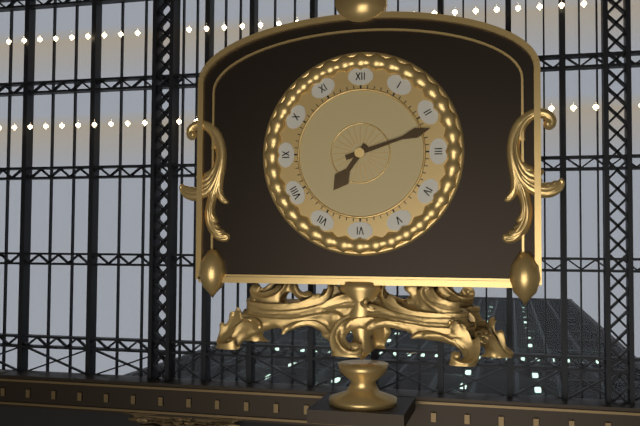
7:12
